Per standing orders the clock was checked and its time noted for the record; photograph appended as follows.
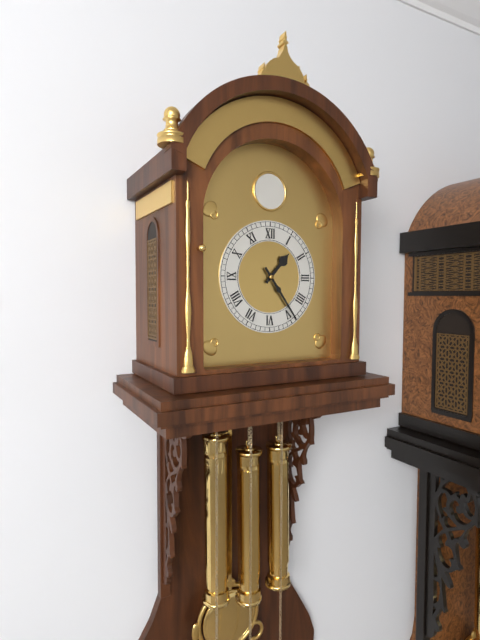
1:24
